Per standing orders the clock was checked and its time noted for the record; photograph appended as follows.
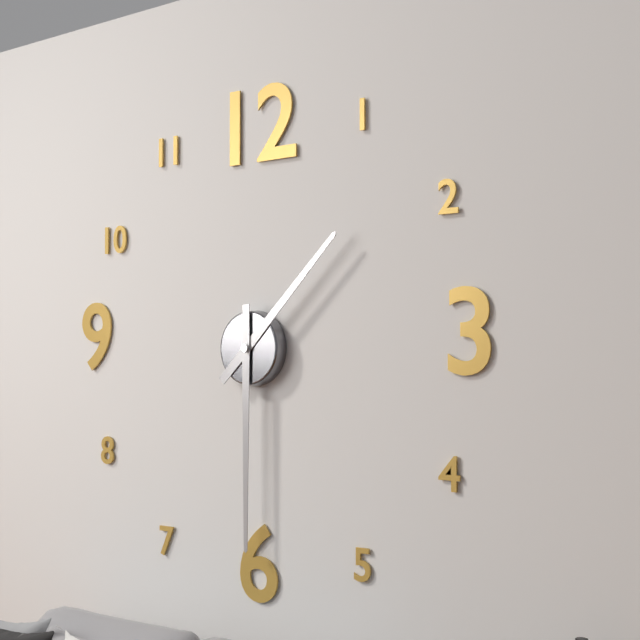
1:30
